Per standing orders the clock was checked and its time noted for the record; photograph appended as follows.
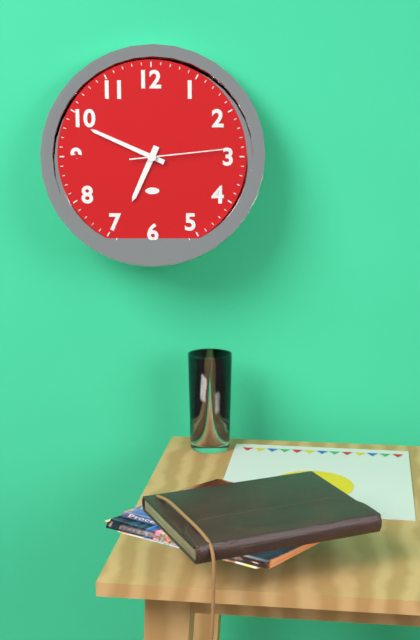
6:49:14
